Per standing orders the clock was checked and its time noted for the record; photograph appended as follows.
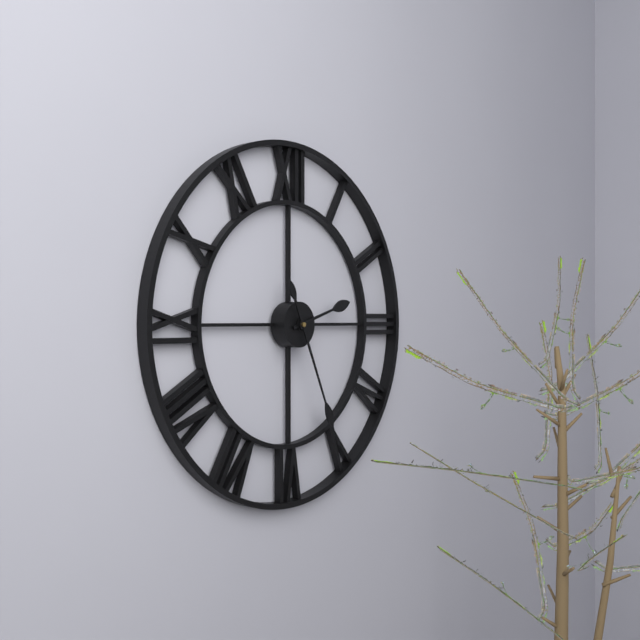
2:26
